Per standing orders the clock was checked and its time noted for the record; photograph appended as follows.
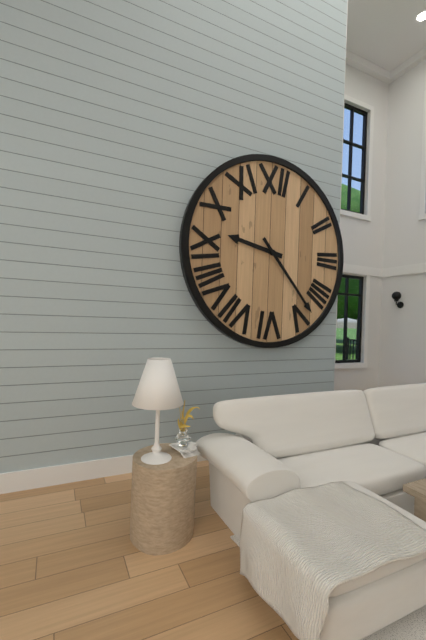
9:23
